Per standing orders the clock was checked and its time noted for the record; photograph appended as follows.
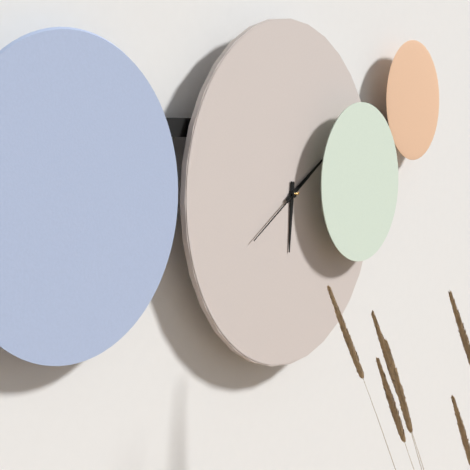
6:10:40
